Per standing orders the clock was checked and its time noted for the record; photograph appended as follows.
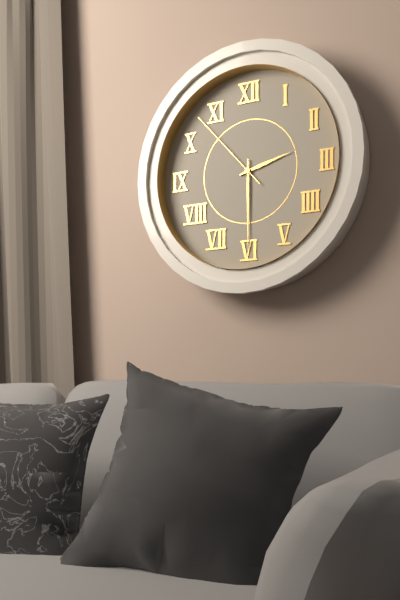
2:30:53
